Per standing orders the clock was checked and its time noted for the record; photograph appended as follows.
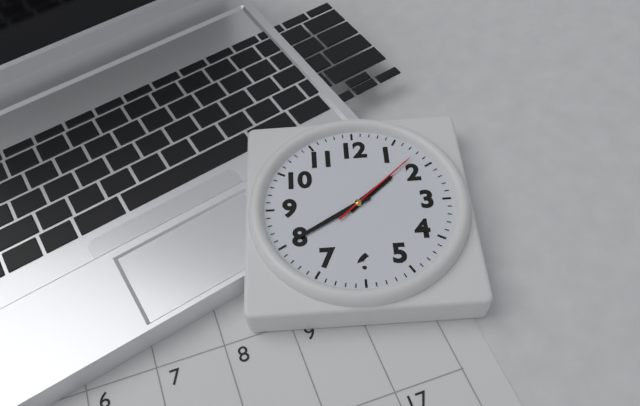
1:40:08
